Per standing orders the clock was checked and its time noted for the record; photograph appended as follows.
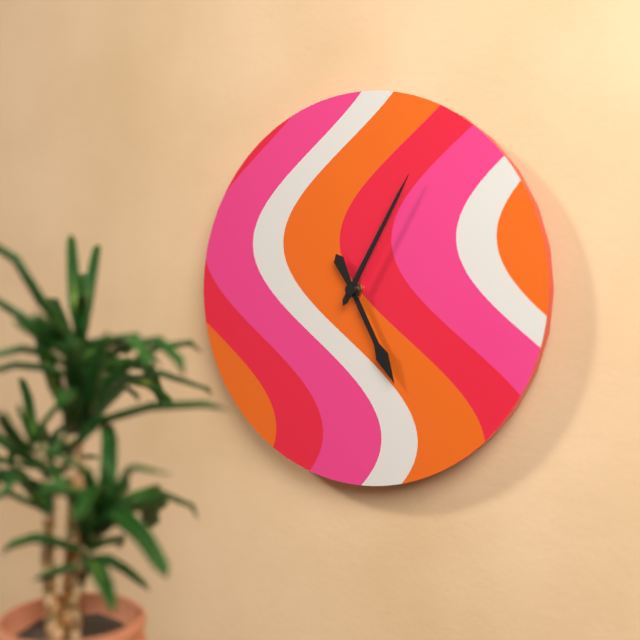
5:05
